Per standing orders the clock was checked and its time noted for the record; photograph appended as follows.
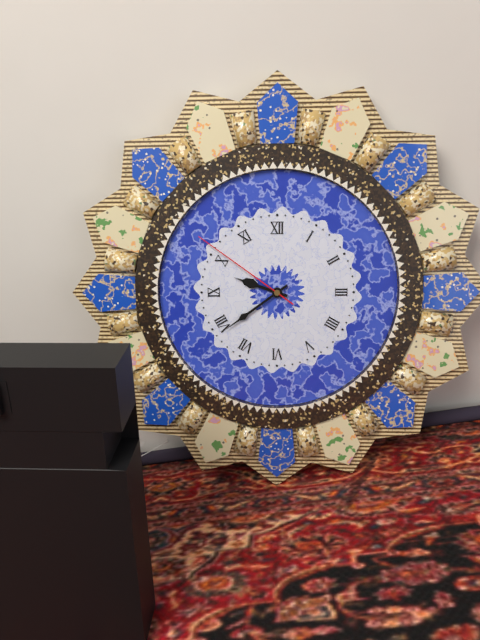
9:39:51
